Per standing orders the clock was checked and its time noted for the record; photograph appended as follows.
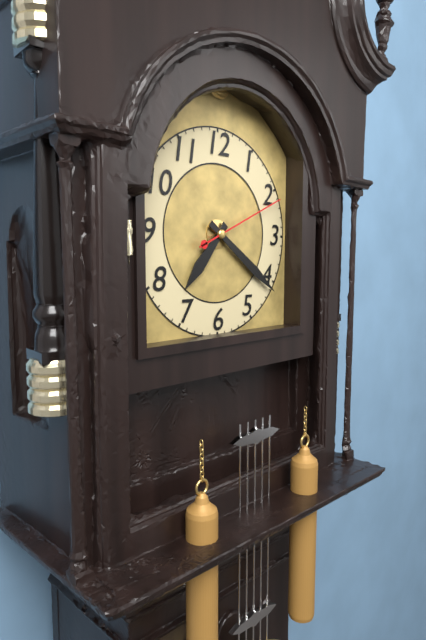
7:21:11
